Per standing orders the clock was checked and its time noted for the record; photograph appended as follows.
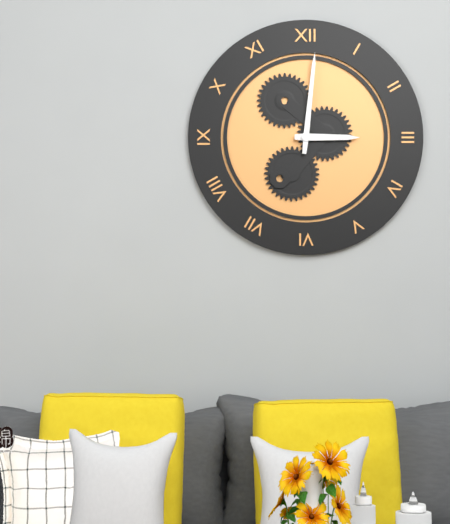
3:01
